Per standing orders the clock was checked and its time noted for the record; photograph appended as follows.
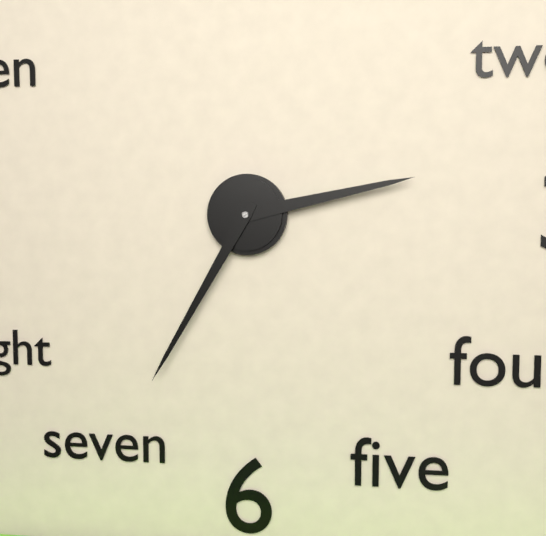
2:35
